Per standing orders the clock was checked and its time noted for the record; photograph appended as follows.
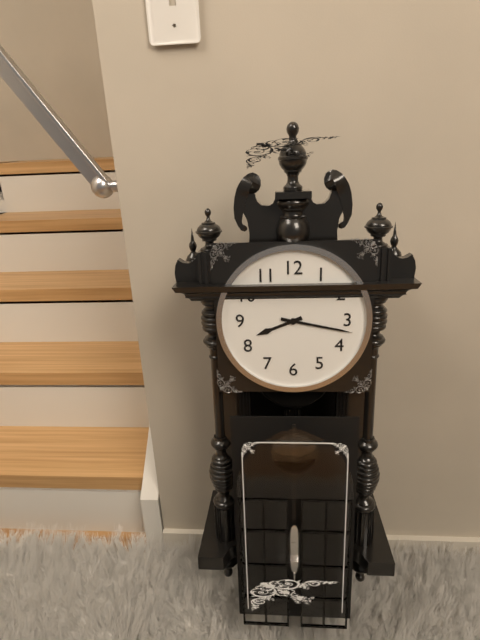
8:17
